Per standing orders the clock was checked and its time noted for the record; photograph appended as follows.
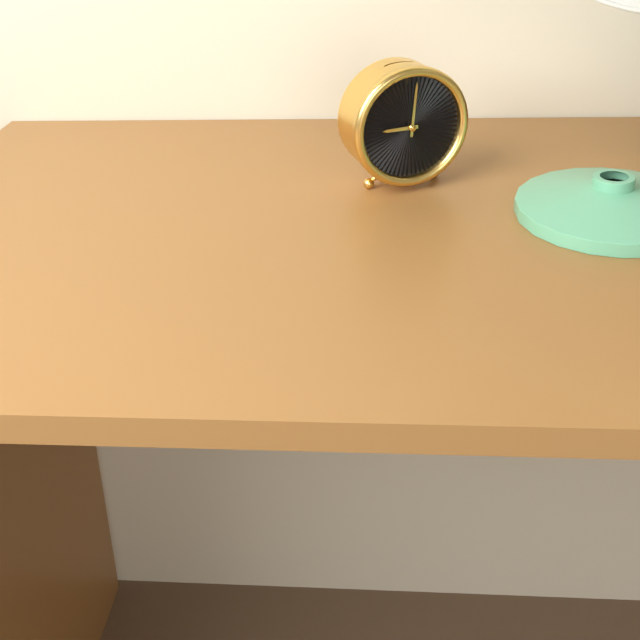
9:01
